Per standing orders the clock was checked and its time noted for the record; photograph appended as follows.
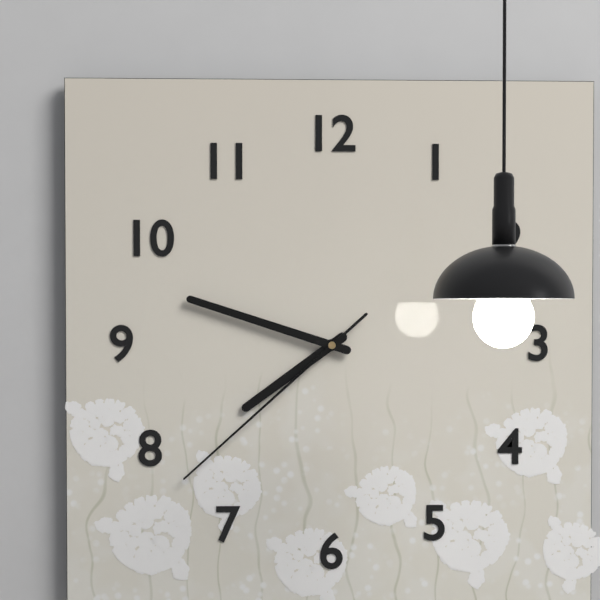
7:48:38
